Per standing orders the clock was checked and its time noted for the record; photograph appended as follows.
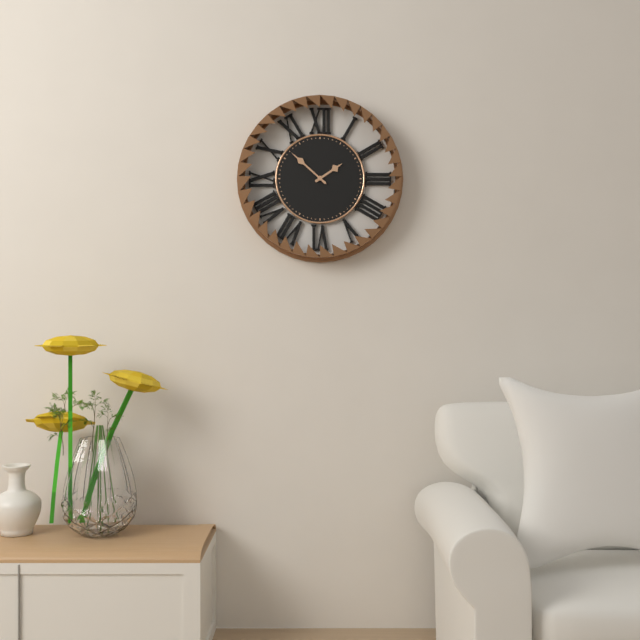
1:52
